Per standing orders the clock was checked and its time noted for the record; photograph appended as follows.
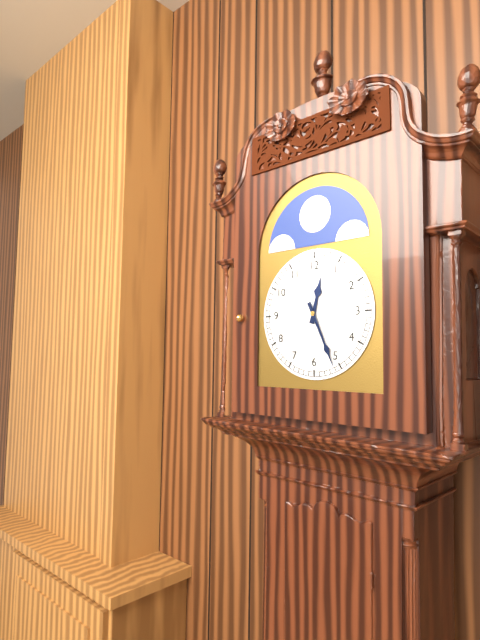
12:26
